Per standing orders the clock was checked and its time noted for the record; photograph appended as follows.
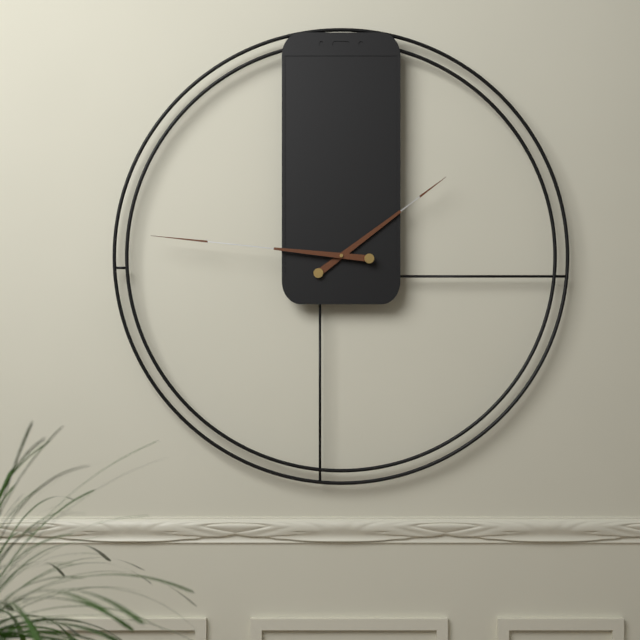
1:46
